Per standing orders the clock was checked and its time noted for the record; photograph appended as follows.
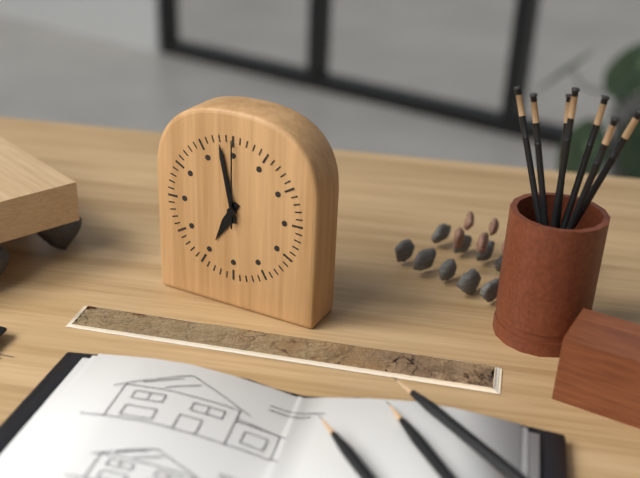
6:58:00
